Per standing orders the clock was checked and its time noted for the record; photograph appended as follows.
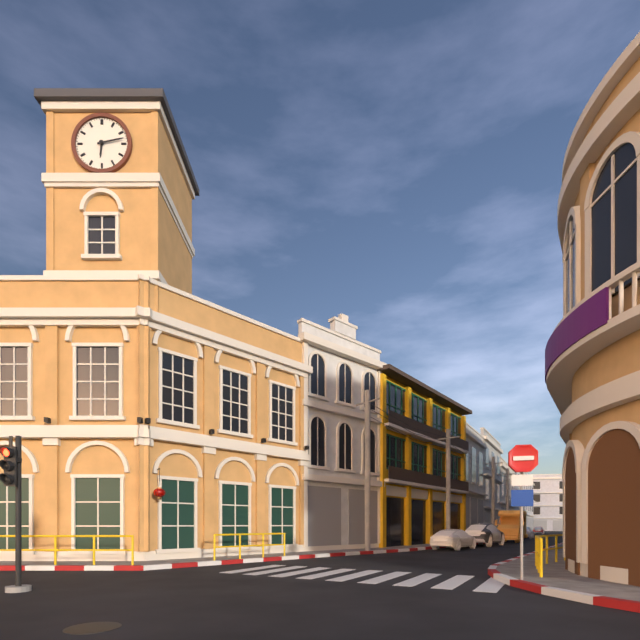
6:13
